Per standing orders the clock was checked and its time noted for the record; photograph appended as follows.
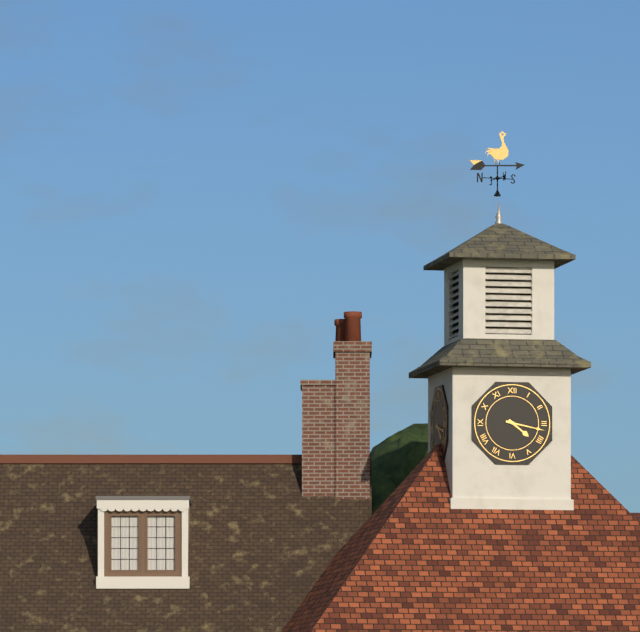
4:17
